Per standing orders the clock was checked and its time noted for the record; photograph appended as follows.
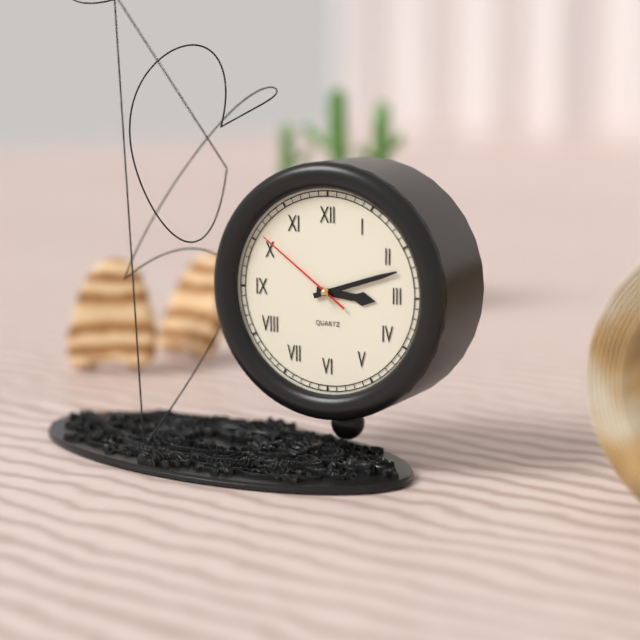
3:12:51
